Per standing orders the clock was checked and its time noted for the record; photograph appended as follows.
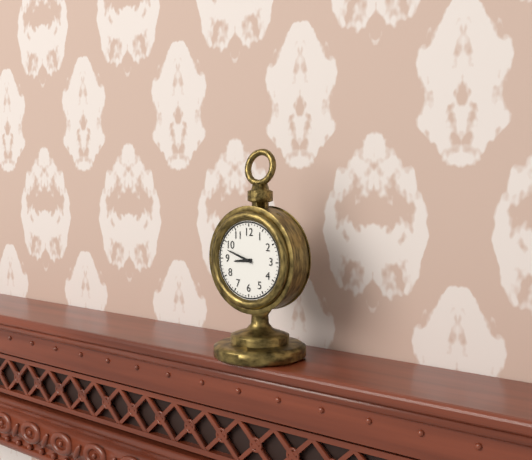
8:48
